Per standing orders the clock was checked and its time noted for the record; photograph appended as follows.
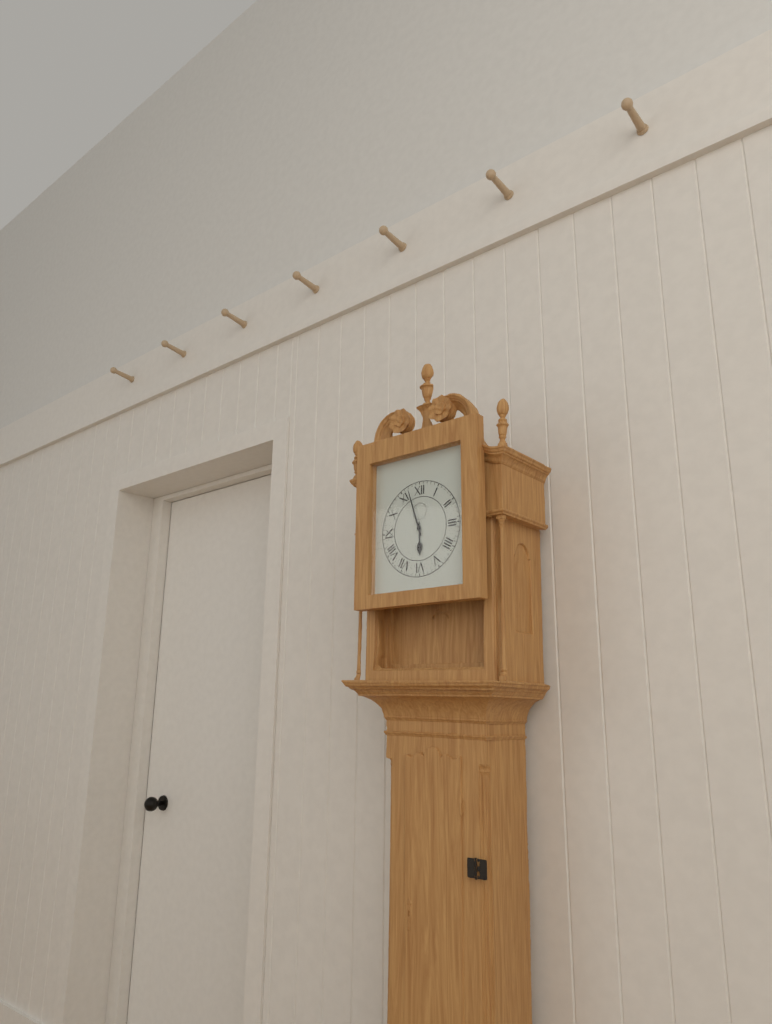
5:57
